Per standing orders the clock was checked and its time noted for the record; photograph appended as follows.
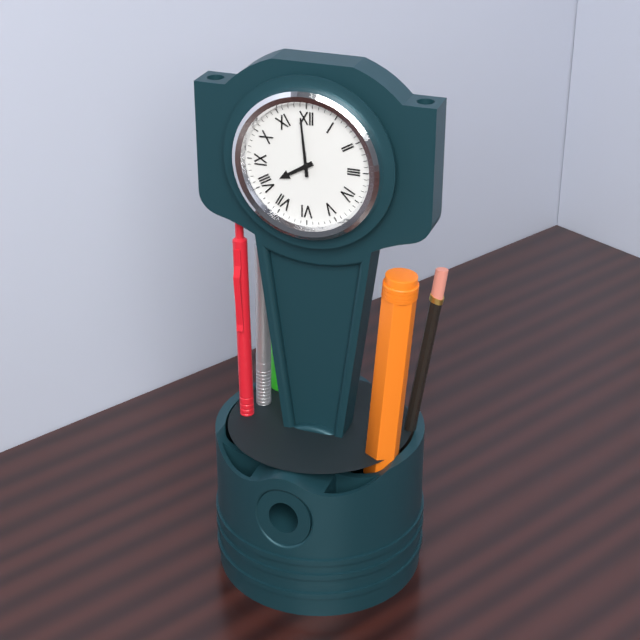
7:59
